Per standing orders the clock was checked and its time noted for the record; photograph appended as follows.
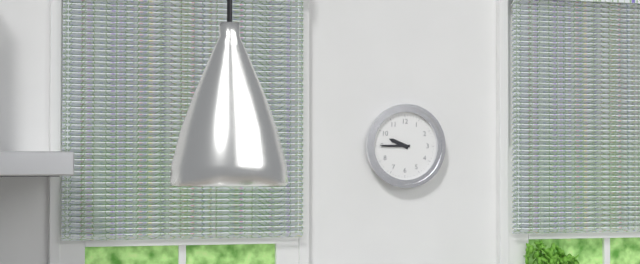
9:45
